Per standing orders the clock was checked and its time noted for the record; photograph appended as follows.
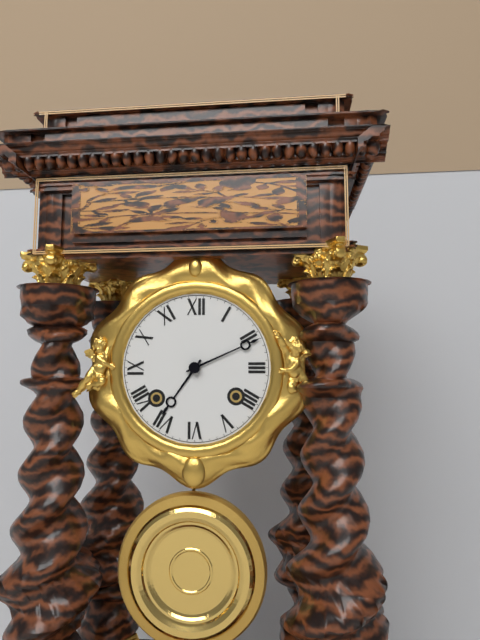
7:11
